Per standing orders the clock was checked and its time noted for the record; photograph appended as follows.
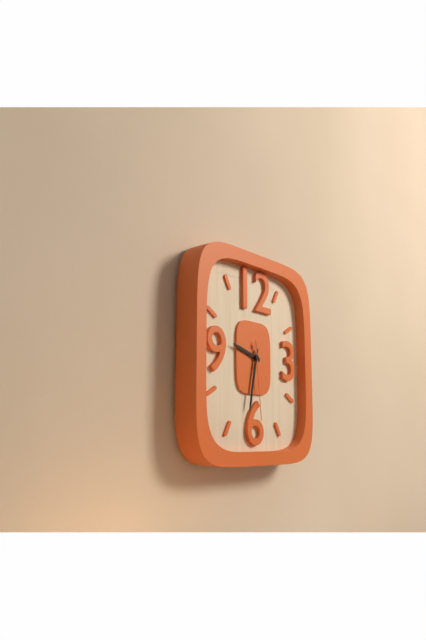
9:32:29
